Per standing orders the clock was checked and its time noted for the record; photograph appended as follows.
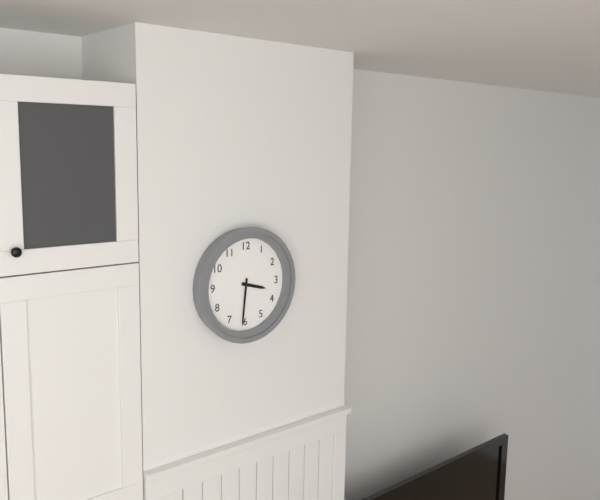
3:31
